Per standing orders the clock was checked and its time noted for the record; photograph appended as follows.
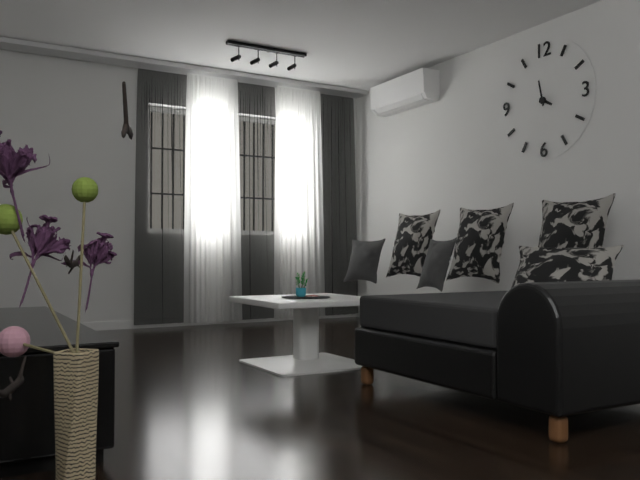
3:58
